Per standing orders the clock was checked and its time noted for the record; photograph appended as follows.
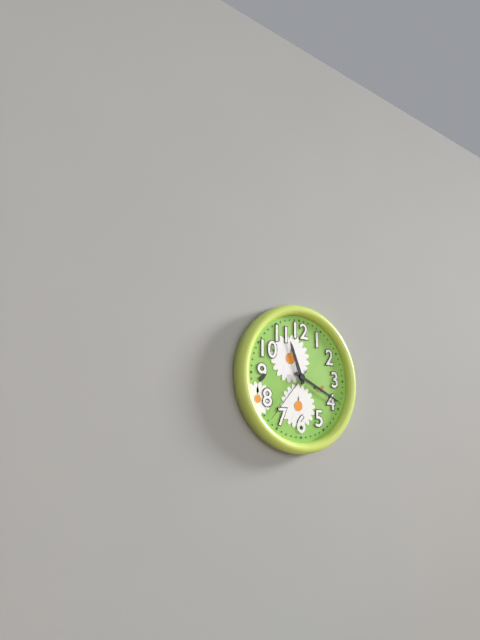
11:19:37
